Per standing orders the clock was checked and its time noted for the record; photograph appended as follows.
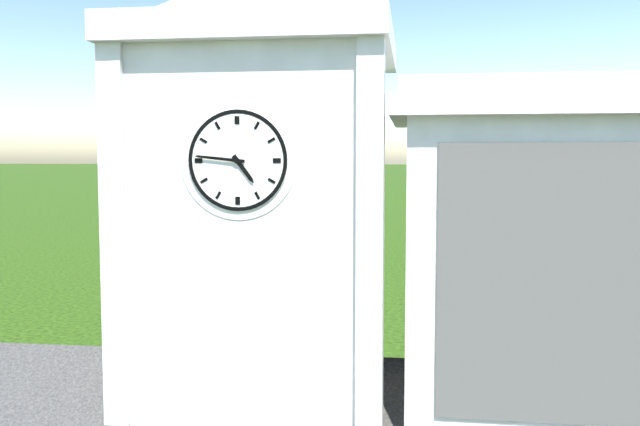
4:46
